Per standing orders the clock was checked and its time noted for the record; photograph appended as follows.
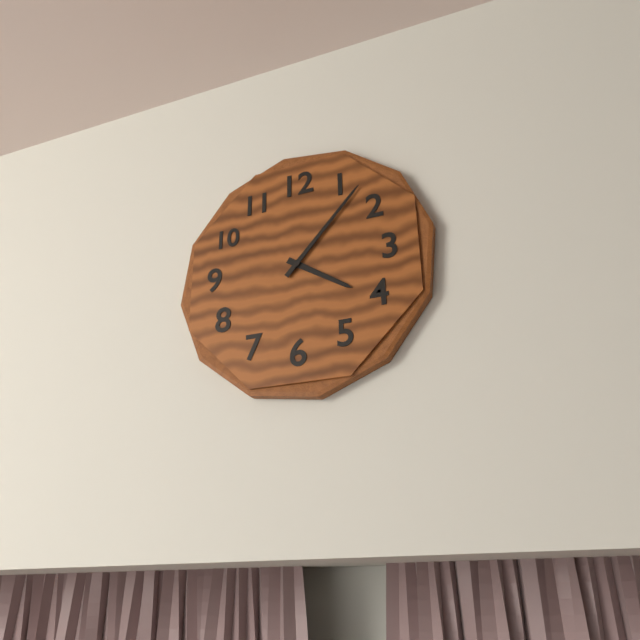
4:07
